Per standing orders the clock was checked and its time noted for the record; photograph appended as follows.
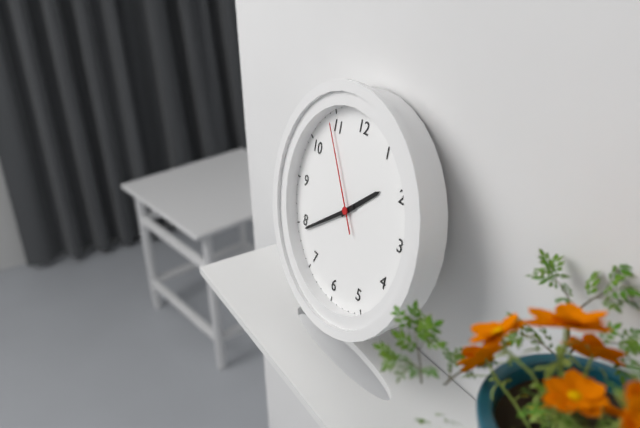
1:39:54
